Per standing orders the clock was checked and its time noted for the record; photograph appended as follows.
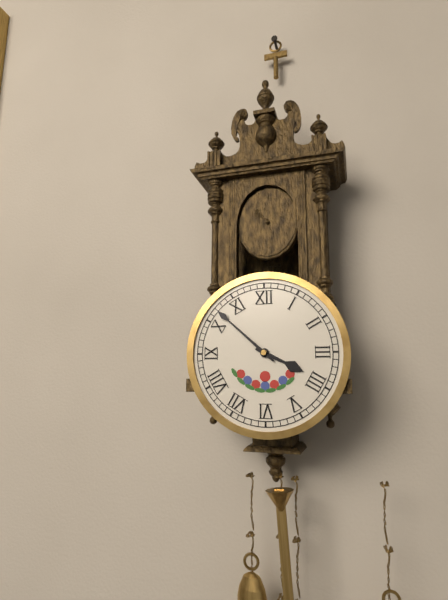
3:52
